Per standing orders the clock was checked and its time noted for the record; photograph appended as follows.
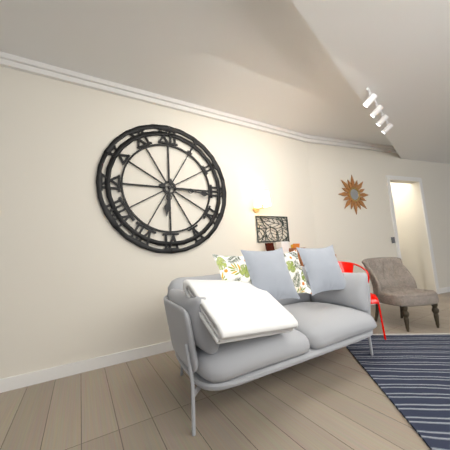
6:16
